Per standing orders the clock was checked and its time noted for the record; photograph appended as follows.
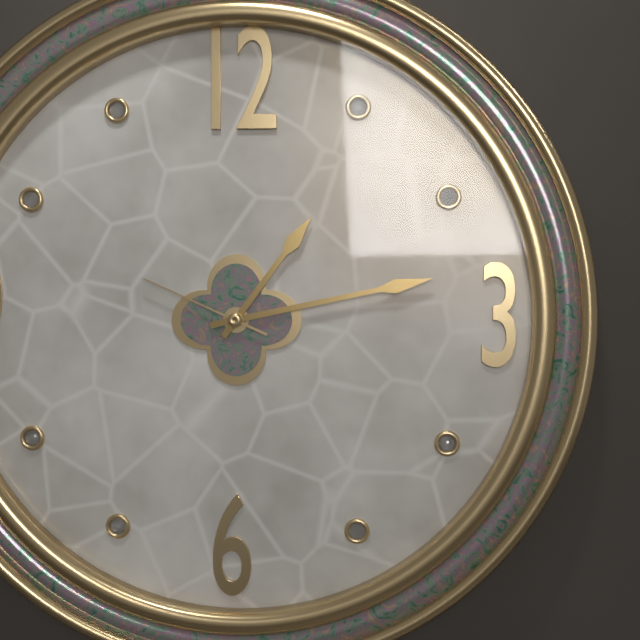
1:13:49
